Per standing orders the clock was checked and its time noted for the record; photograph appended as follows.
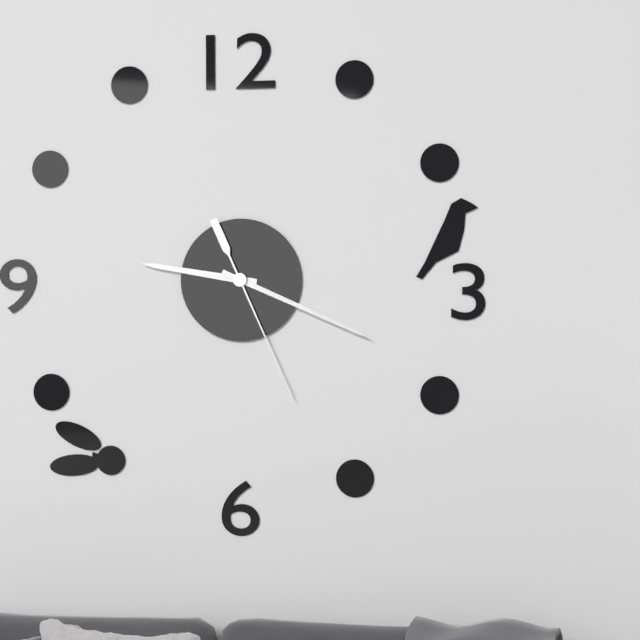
9:19:26
